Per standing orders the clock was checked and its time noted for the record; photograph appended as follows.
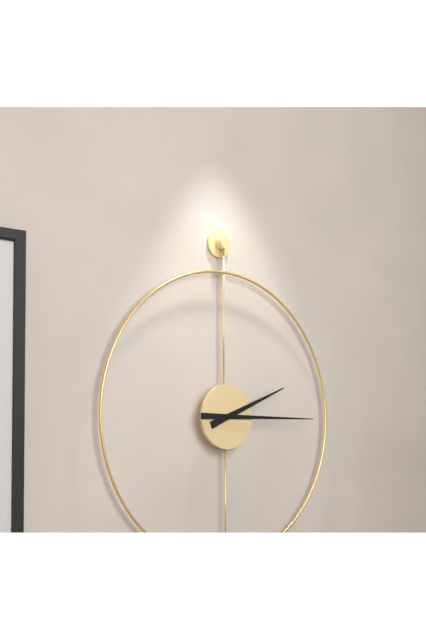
2:15
